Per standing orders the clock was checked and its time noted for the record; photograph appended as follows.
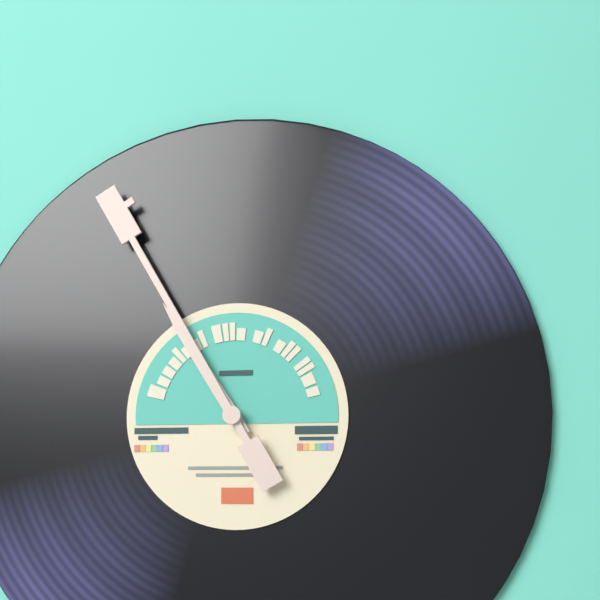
10:55
